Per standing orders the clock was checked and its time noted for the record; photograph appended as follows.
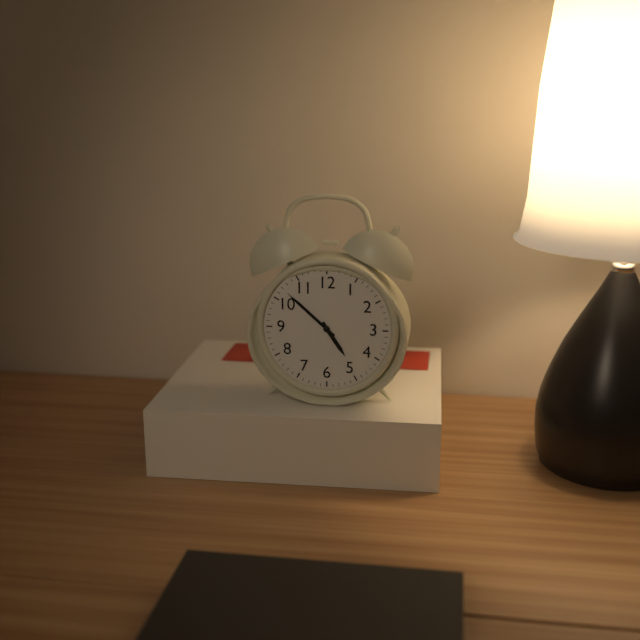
4:52
